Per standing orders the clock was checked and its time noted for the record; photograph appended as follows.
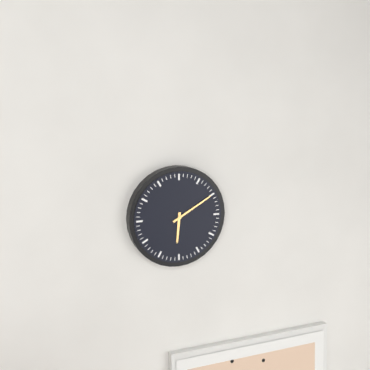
6:10
